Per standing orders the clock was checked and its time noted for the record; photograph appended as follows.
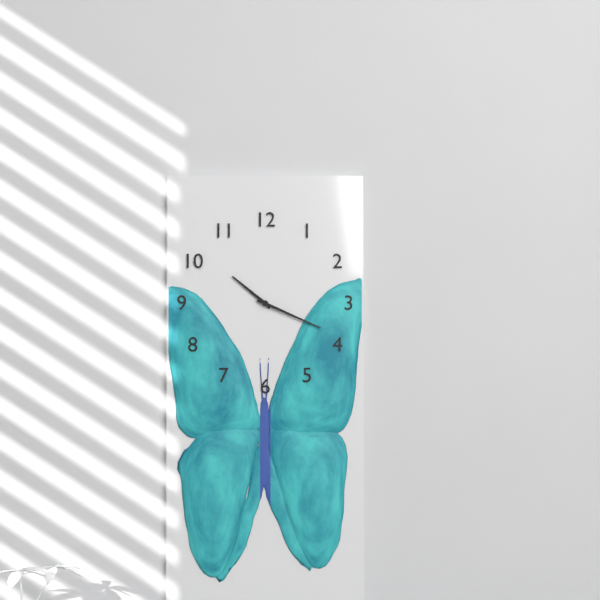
10:19
